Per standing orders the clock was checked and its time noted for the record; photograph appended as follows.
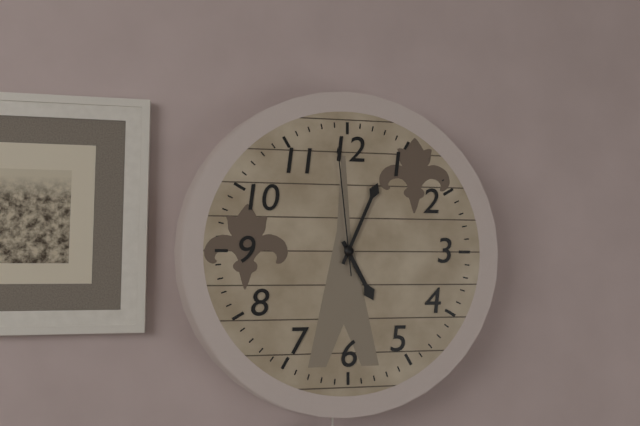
5:04:59
